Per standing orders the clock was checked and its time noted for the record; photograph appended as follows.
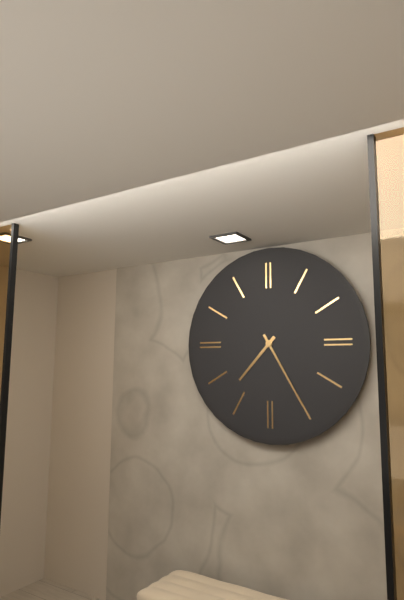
7:25
